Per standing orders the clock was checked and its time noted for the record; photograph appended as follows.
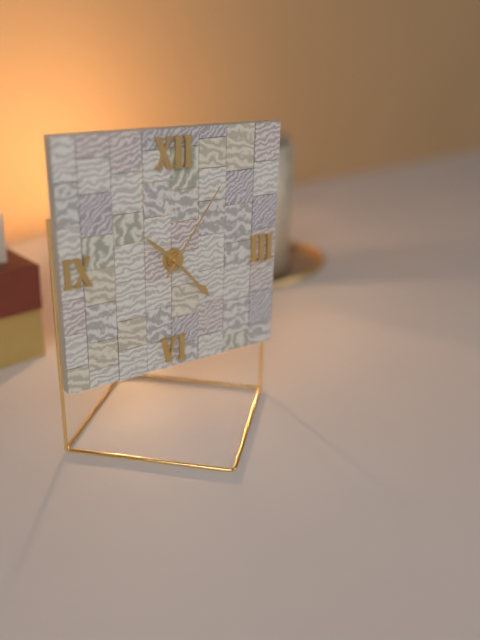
10:23:06
